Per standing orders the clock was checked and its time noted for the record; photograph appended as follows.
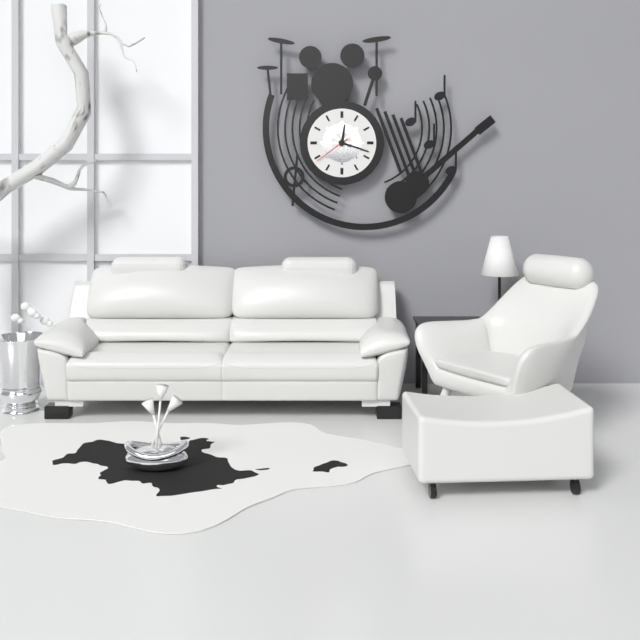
12:18
